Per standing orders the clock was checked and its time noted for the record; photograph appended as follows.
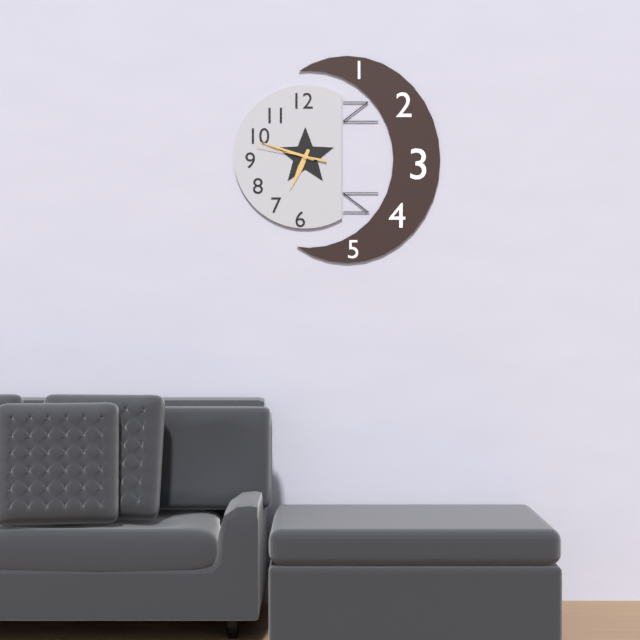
6:48:47
